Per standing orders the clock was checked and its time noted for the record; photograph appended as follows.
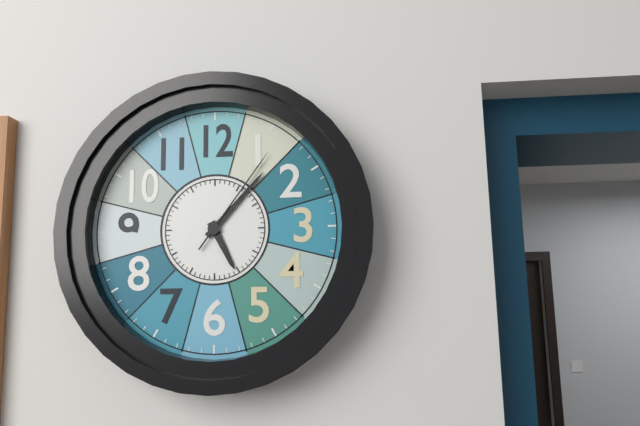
5:07:06
